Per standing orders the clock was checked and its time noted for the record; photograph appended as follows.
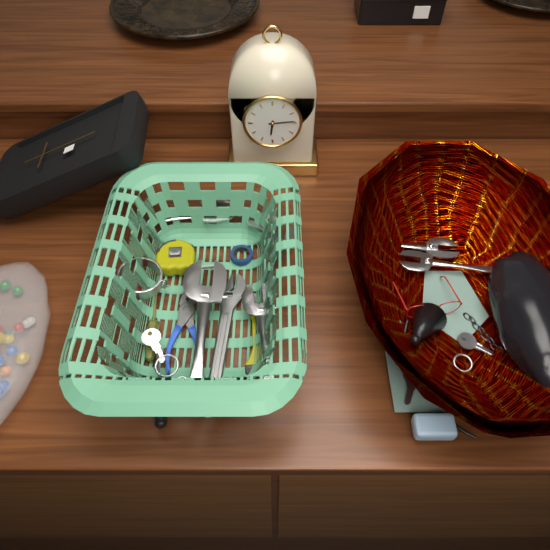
6:14
